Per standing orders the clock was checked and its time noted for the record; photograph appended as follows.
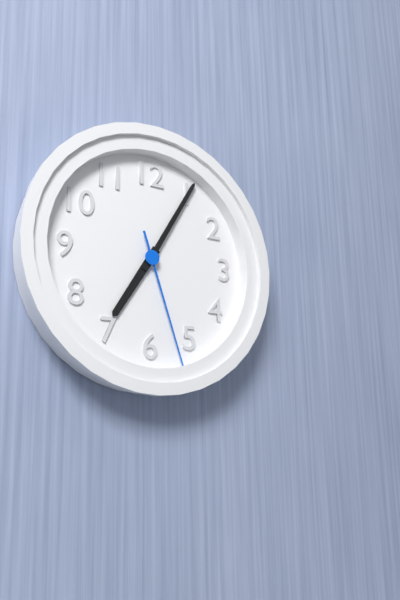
7:05:27
